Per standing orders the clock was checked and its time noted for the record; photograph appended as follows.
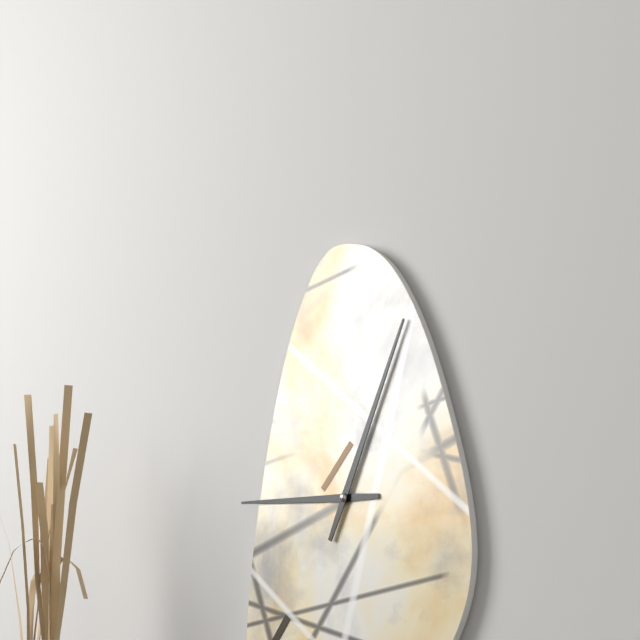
9:04
